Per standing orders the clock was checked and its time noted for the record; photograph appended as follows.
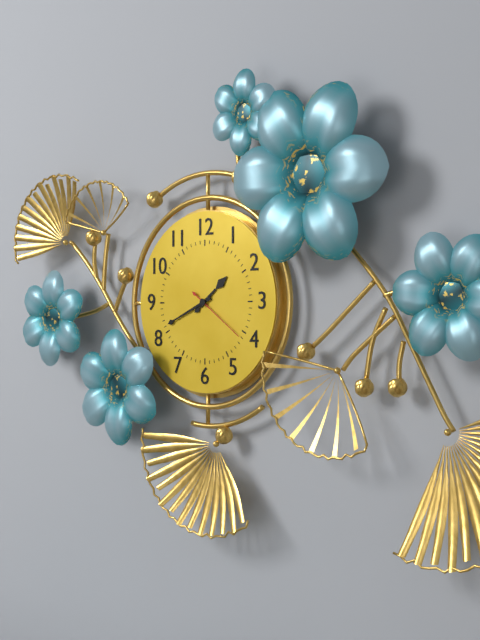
1:41:21
